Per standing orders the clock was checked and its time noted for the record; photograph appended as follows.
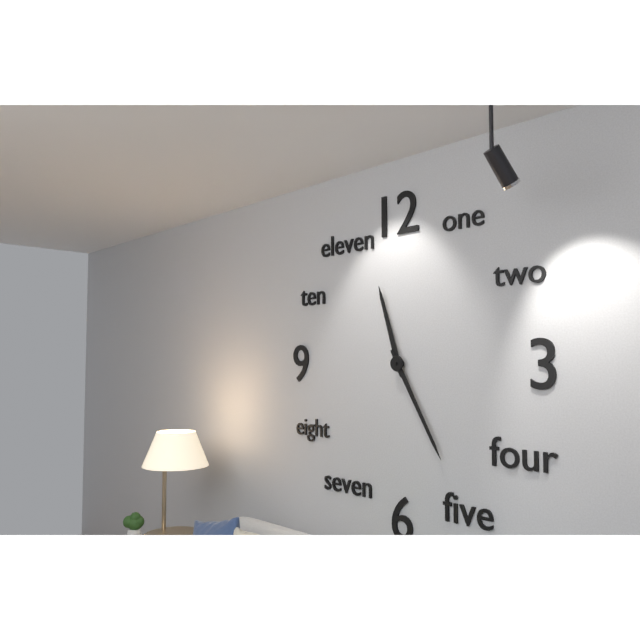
11:25
